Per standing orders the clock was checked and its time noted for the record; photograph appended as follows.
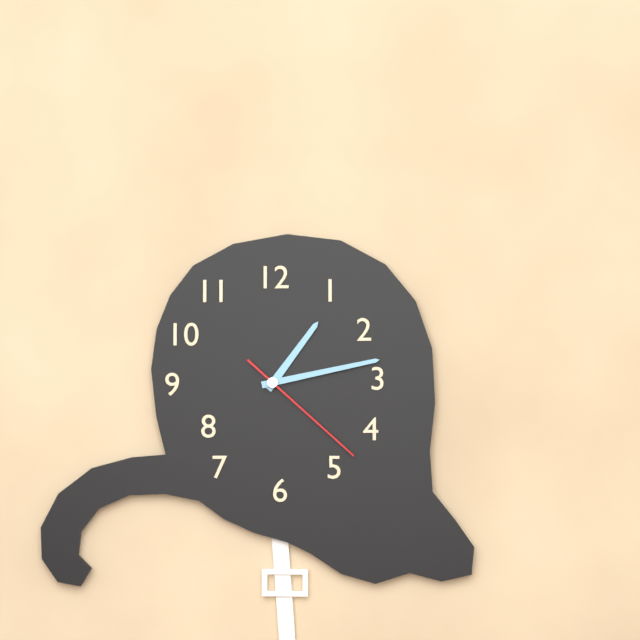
1:13:22
